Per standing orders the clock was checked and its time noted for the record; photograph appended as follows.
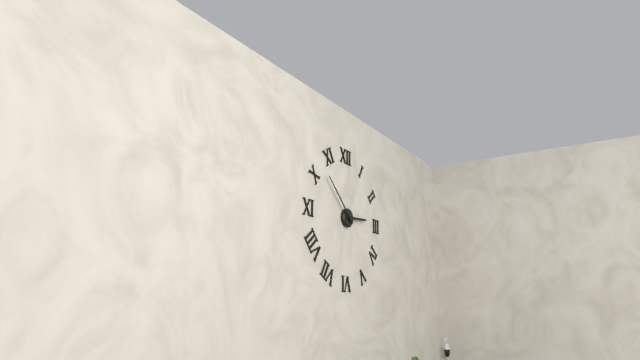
2:52
